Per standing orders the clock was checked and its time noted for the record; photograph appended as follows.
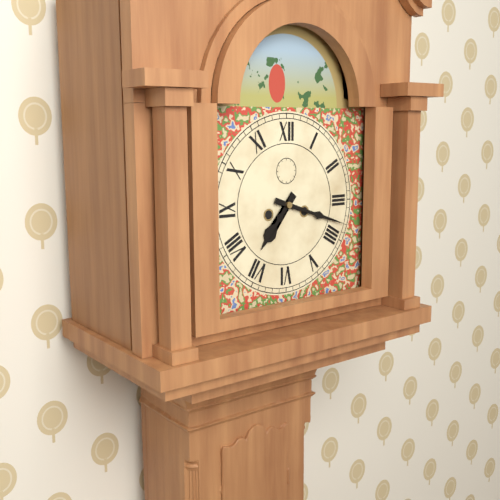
7:18
